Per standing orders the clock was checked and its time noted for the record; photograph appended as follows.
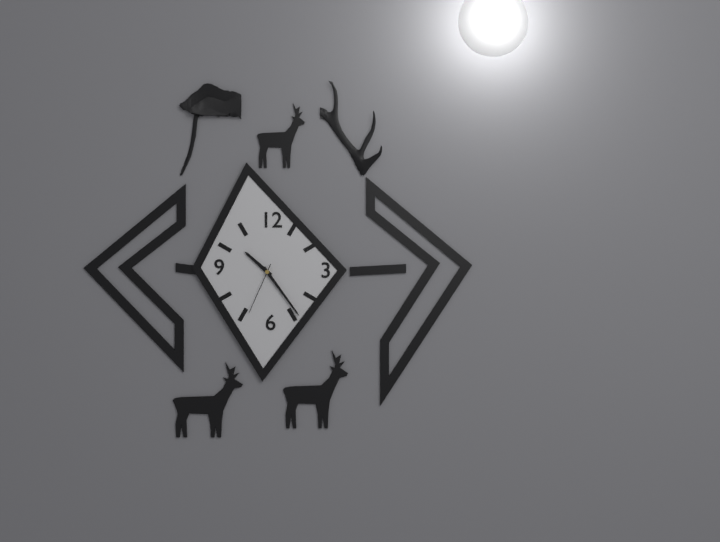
10:24:34
